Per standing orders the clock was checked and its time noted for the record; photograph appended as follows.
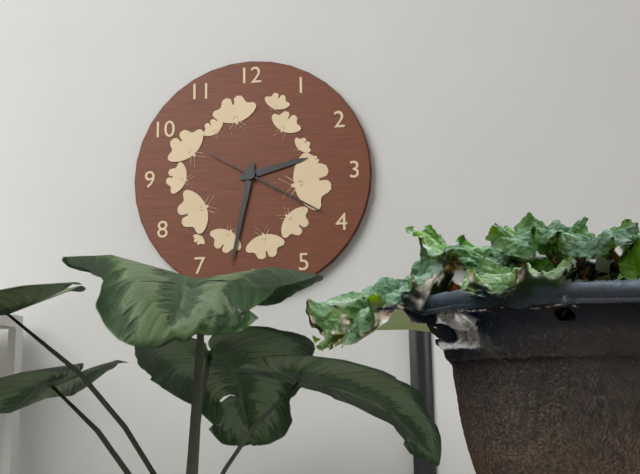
2:32:20
